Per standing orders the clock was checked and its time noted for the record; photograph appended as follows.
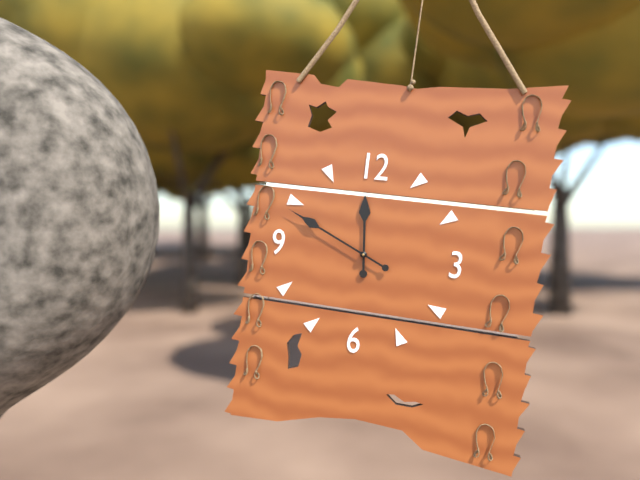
11:49
